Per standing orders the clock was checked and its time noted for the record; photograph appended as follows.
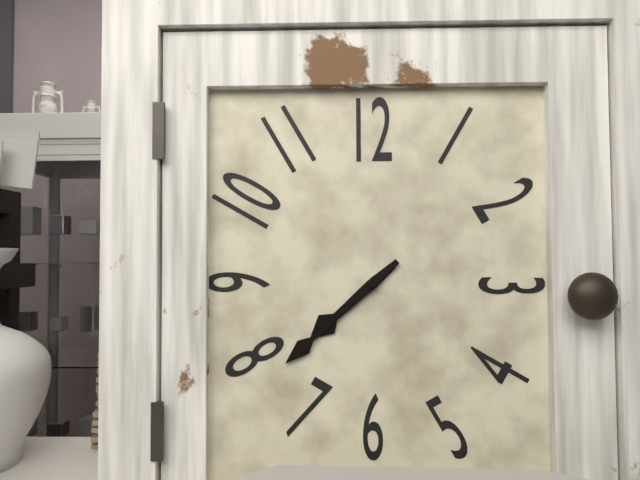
7:38
